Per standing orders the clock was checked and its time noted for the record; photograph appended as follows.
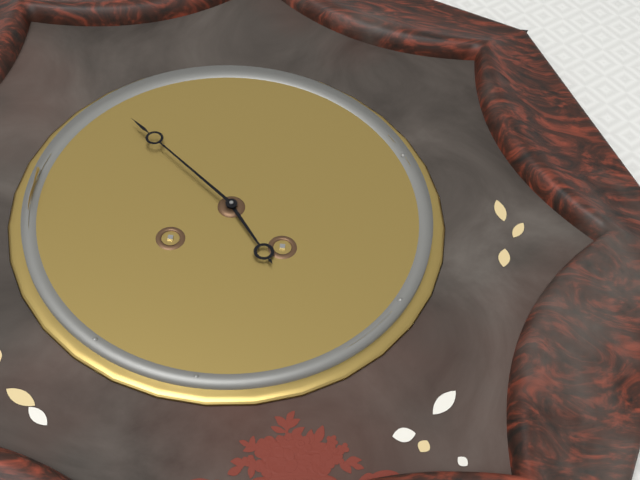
4:52
